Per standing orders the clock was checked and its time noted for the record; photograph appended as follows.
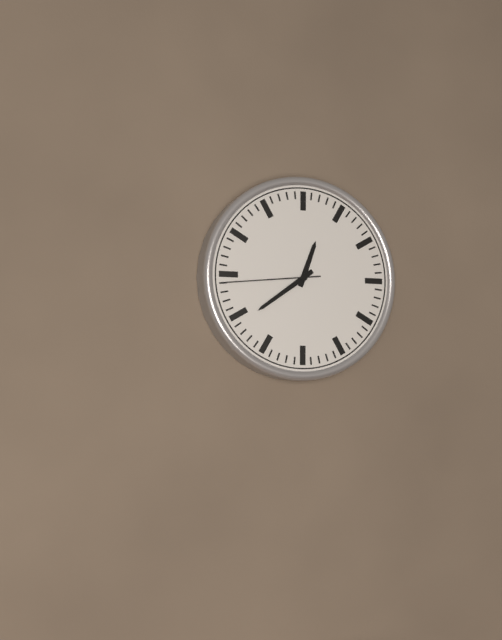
12:39:44
